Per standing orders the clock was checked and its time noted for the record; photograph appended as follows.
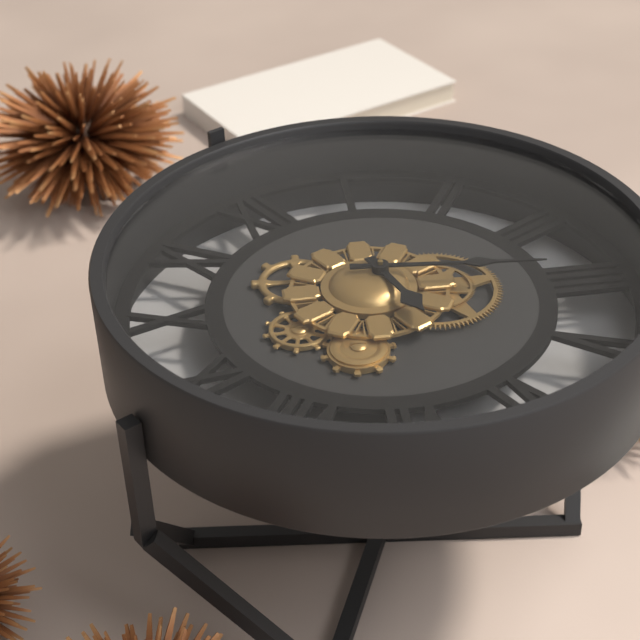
6:21
